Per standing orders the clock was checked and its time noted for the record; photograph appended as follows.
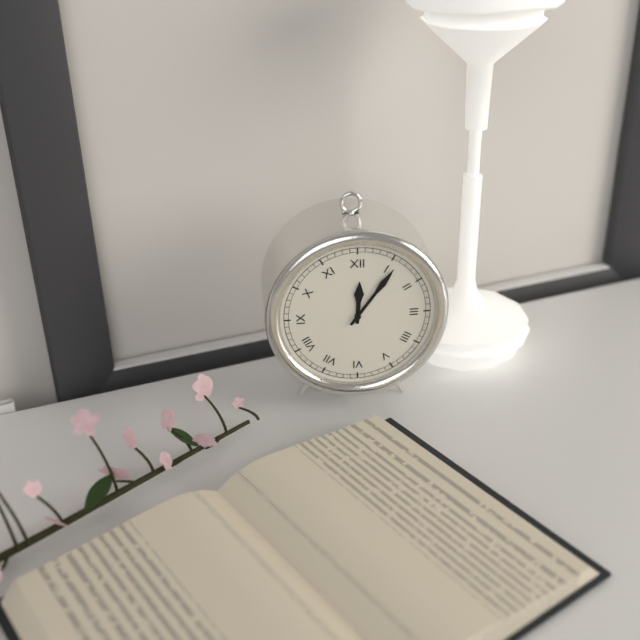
12:06
